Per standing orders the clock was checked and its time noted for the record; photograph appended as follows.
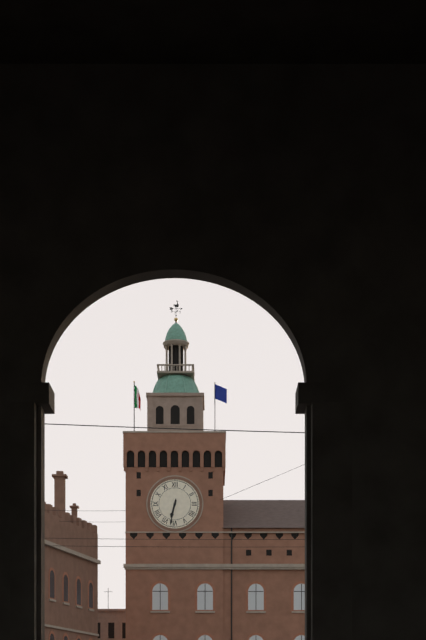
6:32
